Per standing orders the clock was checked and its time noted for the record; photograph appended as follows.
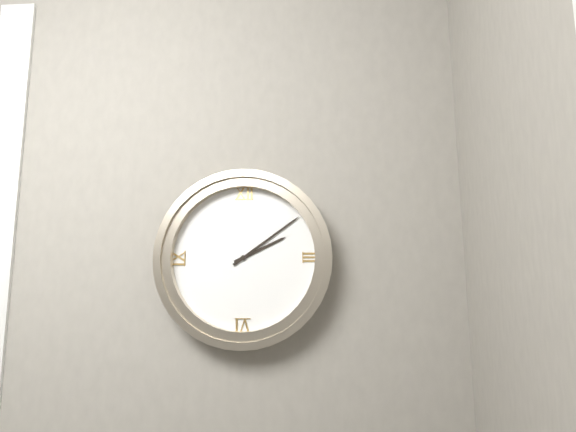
2:09
